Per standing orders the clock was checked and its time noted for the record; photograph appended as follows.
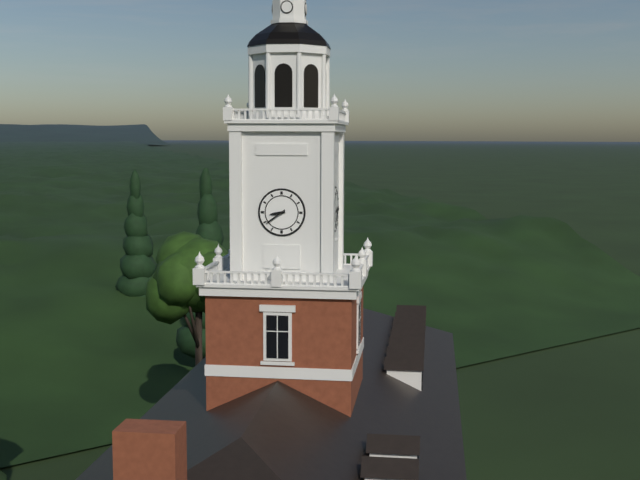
8:39
